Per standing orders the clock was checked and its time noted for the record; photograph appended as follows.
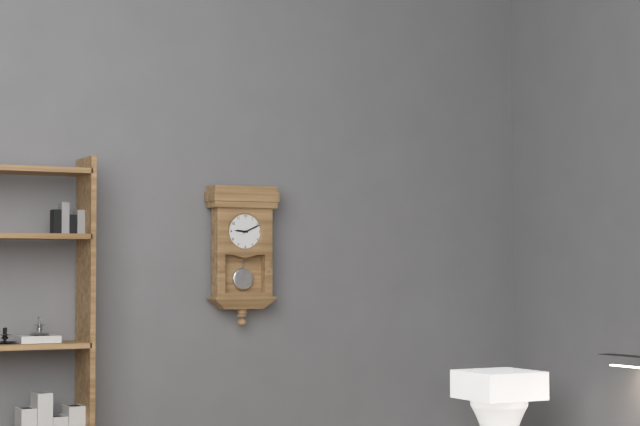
9:11
